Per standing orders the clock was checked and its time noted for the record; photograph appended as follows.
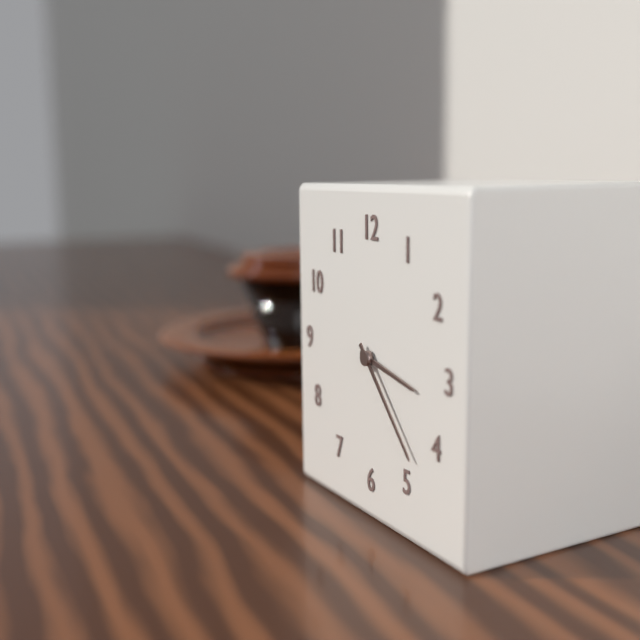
3:23
